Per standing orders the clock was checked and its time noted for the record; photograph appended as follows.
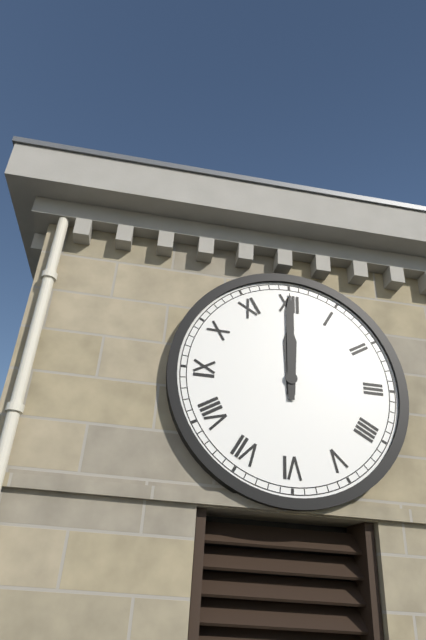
12:00
